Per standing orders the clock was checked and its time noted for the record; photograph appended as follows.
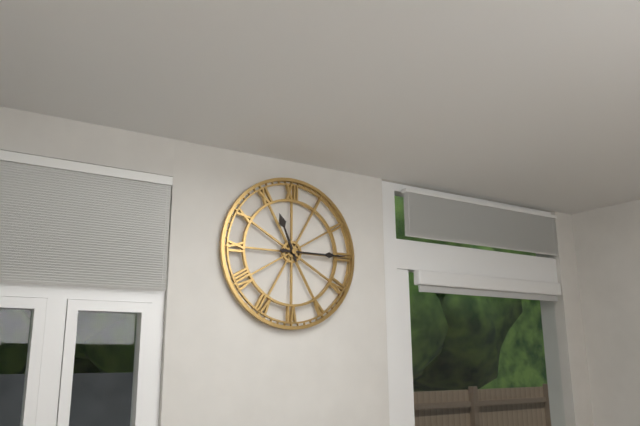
11:15
